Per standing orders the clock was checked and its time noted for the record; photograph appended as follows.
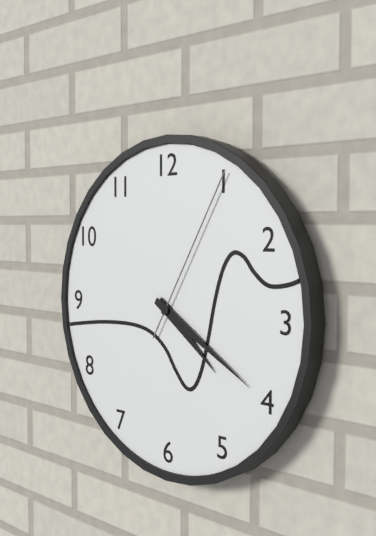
4:20:05
